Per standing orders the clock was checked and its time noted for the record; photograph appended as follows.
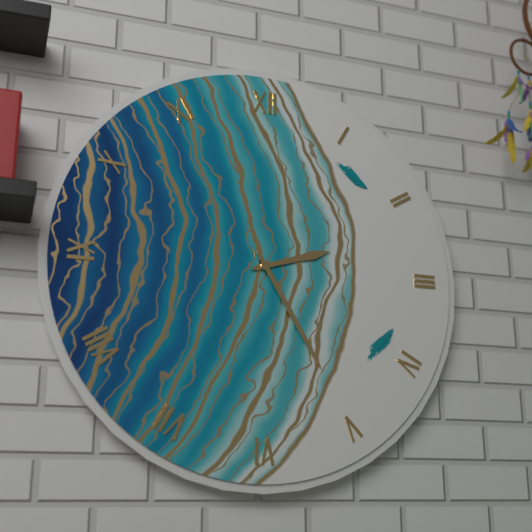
2:25
